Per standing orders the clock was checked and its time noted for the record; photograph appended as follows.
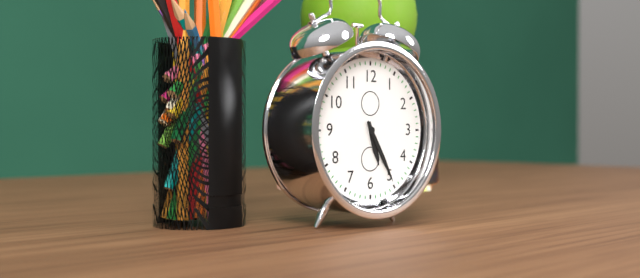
5:25
